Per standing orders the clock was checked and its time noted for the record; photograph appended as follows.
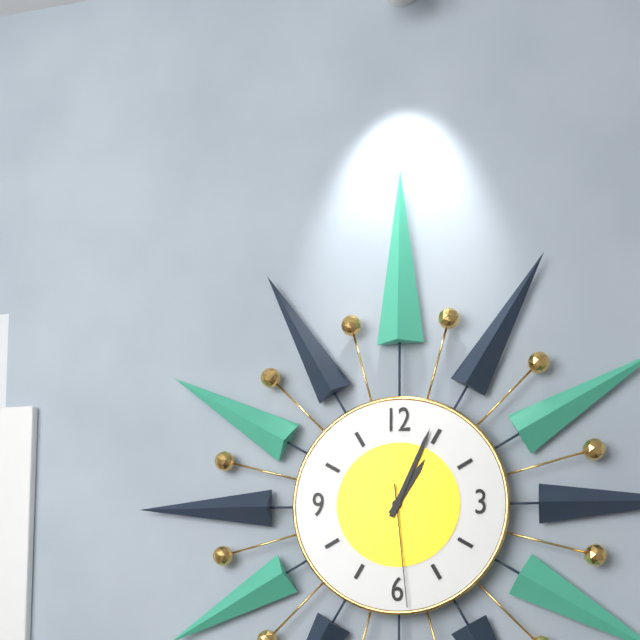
1:04:29
